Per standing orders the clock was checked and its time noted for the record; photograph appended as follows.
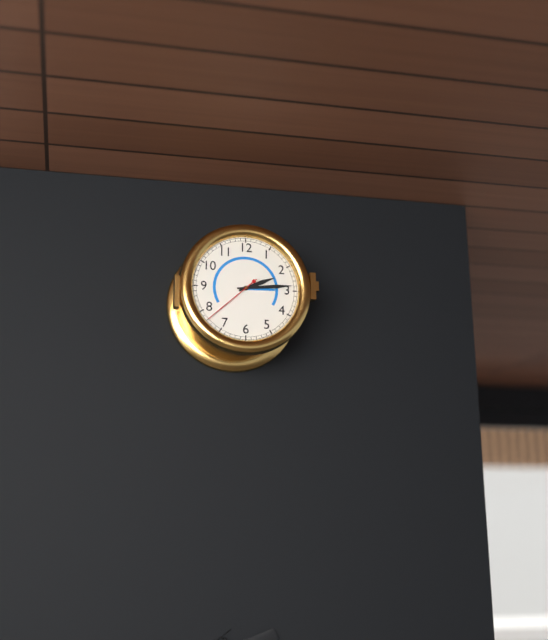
2:14:38
